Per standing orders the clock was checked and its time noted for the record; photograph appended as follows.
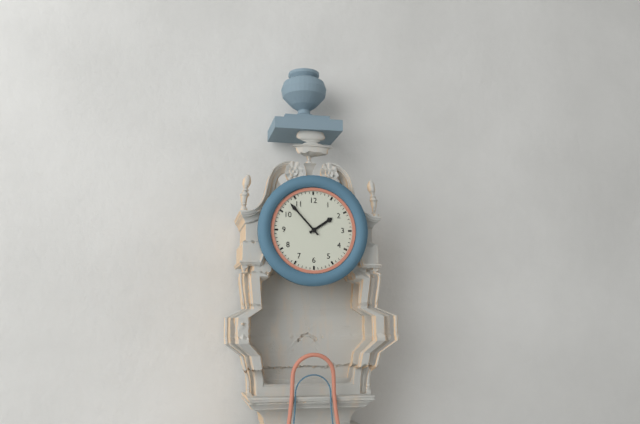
1:53
